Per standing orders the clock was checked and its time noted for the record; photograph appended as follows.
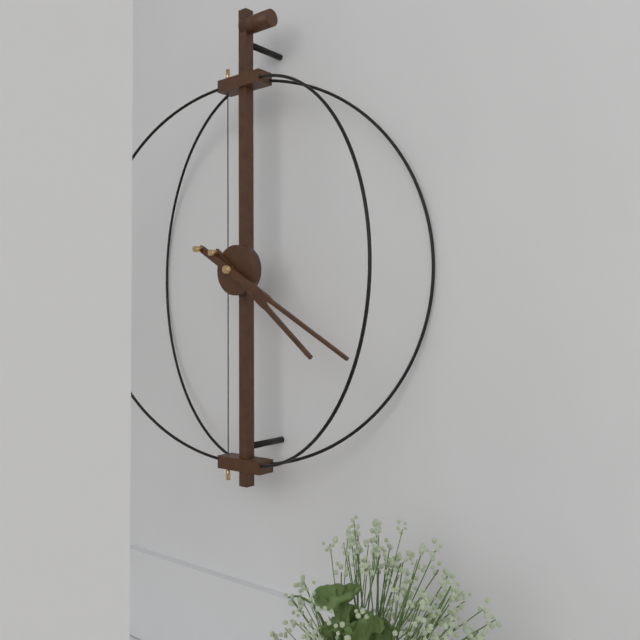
4:20
